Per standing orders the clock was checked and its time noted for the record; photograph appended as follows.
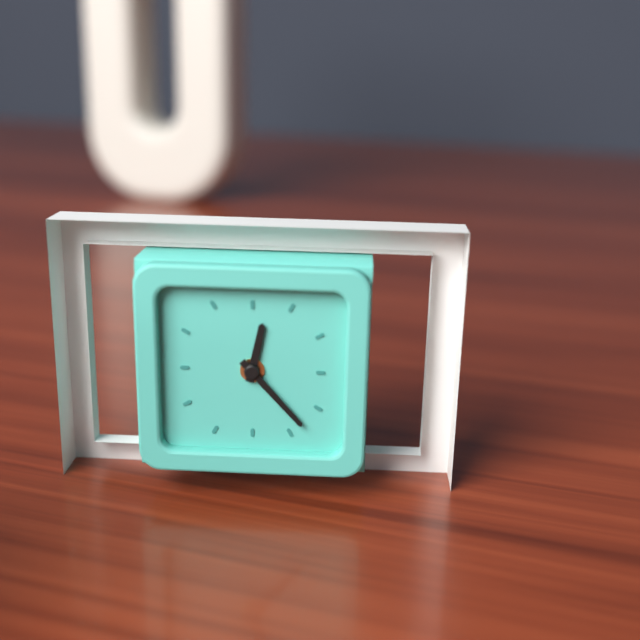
12:23
